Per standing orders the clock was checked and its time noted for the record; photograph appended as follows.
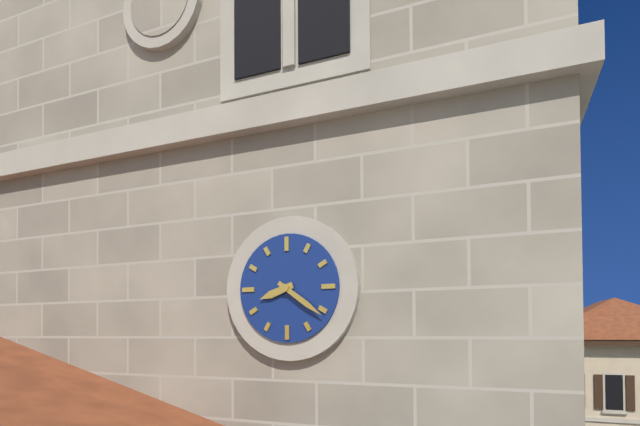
8:21
